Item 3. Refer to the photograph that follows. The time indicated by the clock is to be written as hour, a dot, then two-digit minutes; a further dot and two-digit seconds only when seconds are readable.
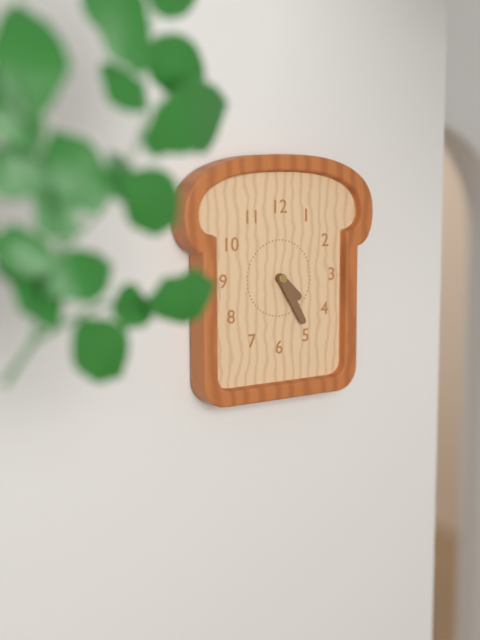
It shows 4.25
